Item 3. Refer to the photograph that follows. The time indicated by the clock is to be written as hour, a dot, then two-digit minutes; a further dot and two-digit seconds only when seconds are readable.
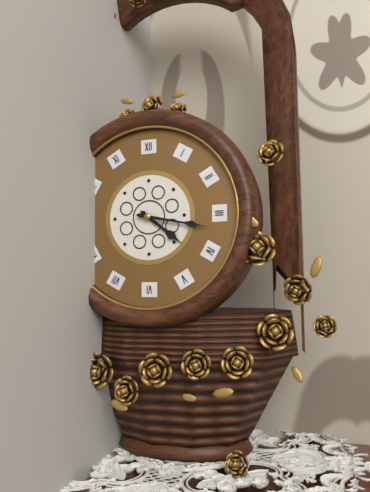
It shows 4.17
